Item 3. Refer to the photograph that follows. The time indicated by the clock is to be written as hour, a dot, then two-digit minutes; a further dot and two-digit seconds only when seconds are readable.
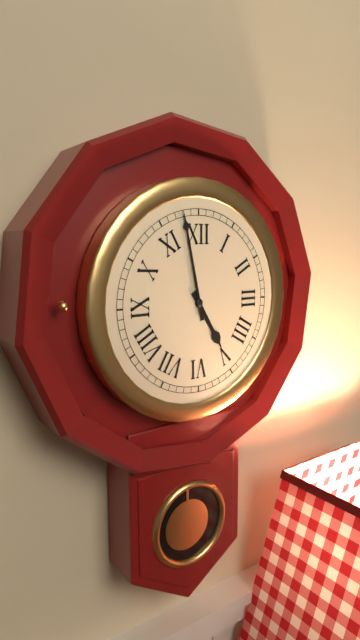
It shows 4.58
